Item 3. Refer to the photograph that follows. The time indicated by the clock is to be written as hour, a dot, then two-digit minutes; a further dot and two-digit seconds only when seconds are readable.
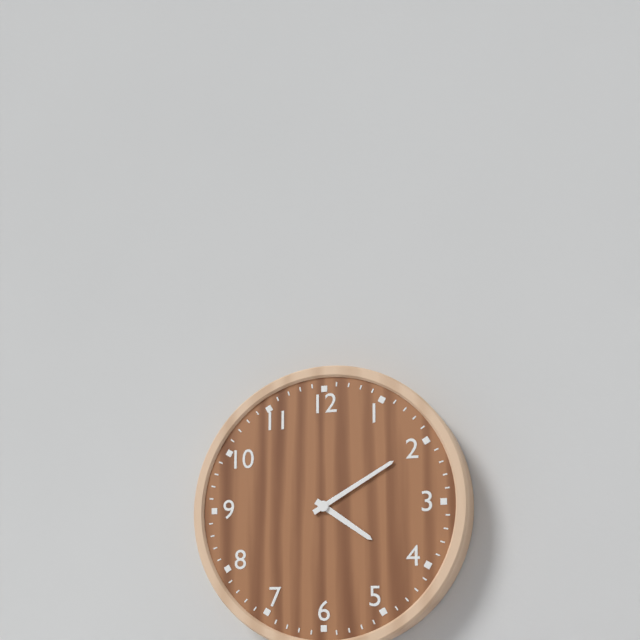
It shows 4.10
